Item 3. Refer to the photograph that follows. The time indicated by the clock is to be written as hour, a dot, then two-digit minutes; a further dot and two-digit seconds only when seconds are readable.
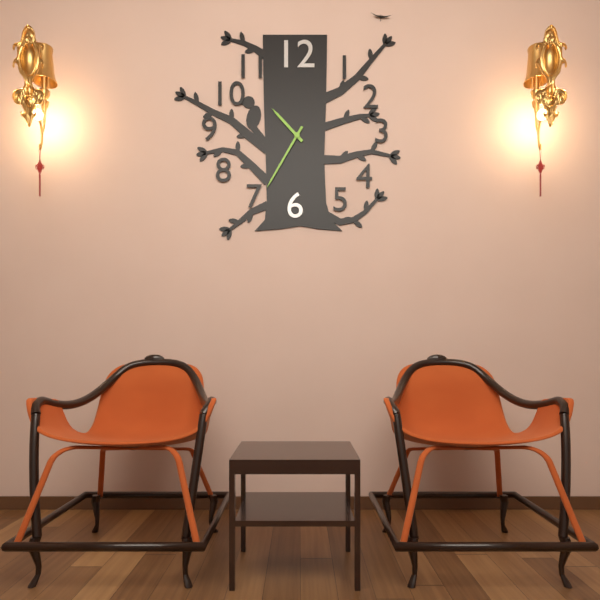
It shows 10.35
